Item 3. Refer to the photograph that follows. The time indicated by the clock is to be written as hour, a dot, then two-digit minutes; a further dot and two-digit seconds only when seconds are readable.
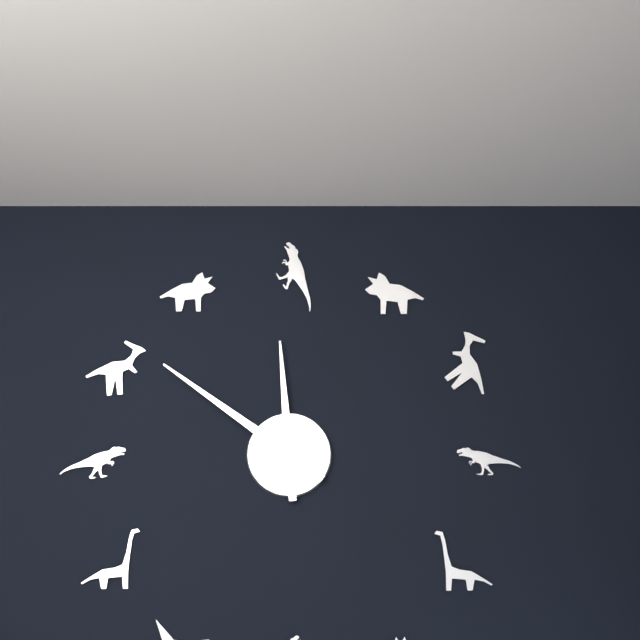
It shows 11.51
